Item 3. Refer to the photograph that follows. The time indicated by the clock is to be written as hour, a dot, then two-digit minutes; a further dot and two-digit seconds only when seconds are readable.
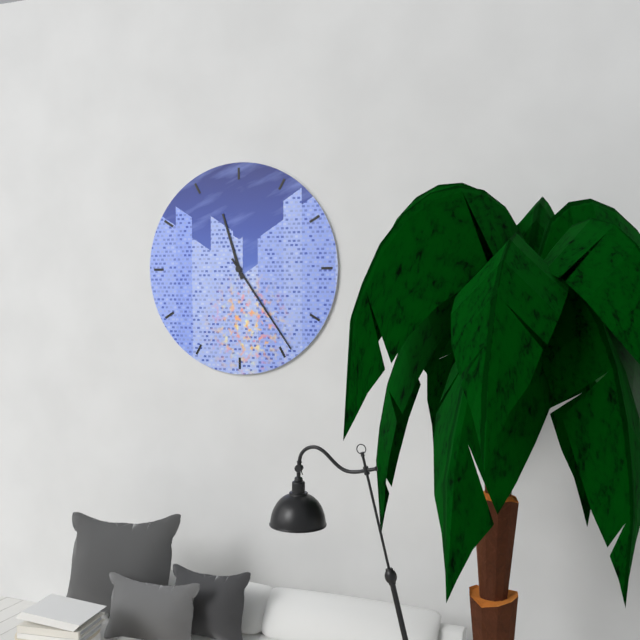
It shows 11.24
